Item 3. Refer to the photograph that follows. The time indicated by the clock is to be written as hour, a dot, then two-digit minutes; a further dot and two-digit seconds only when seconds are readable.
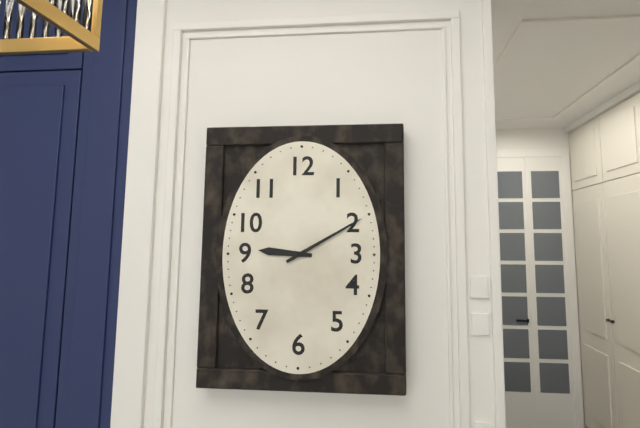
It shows 9.10
